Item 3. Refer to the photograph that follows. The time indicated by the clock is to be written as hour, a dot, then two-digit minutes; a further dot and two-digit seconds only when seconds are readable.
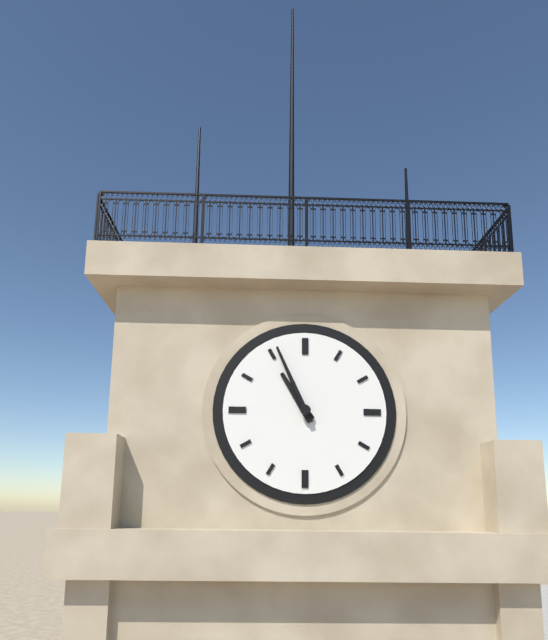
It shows 10.56
